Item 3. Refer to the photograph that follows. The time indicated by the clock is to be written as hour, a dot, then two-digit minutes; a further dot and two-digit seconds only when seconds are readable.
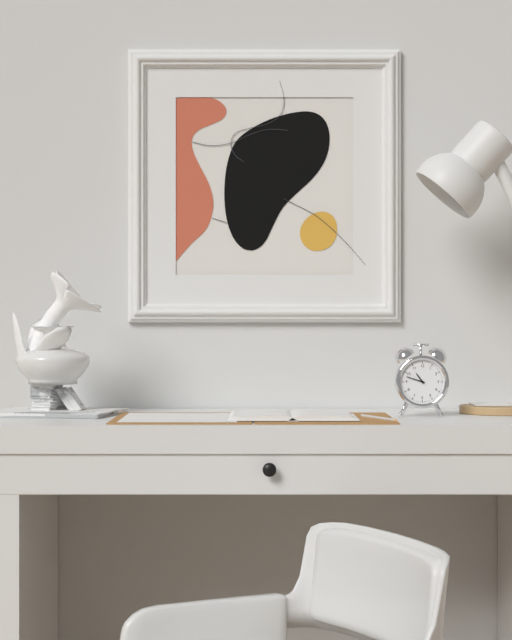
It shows 10.48
